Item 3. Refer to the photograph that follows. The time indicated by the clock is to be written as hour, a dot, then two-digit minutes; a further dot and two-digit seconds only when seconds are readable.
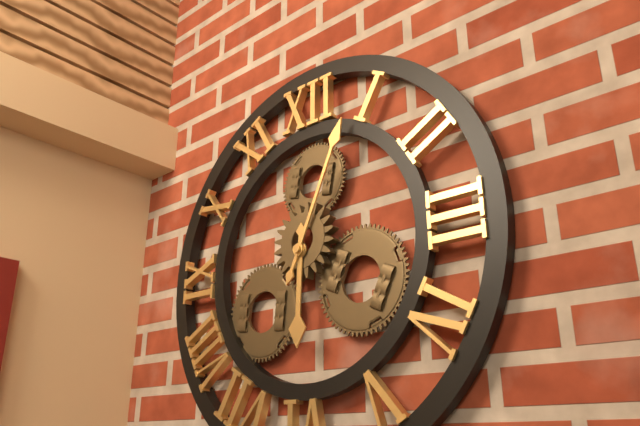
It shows 6.04
